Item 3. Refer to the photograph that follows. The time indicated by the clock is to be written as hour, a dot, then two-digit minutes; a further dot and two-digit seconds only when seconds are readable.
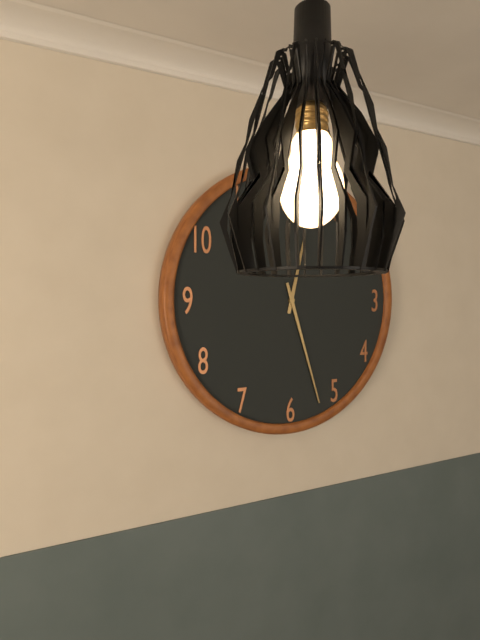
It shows 12.27
